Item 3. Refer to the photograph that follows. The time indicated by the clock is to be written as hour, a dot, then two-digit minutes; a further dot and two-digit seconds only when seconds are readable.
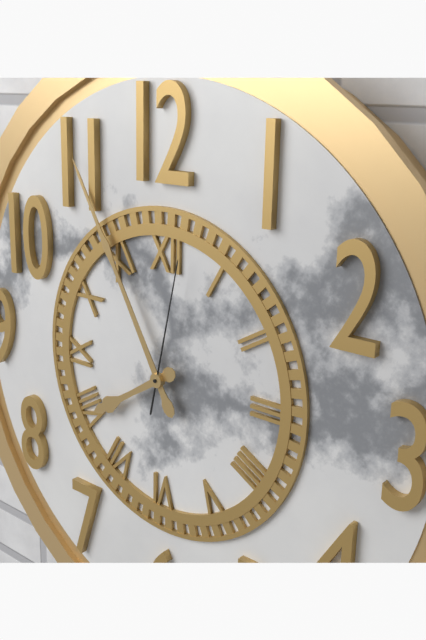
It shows 7.55.02
